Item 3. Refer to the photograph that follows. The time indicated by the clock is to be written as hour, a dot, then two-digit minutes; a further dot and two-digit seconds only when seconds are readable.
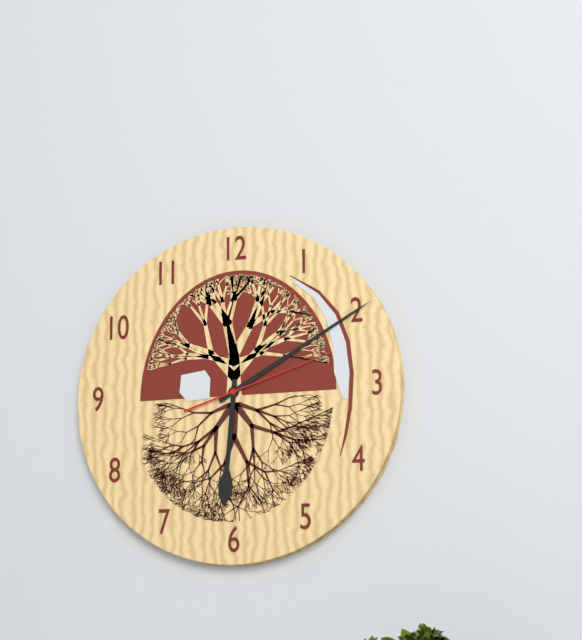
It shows 6.10.12
